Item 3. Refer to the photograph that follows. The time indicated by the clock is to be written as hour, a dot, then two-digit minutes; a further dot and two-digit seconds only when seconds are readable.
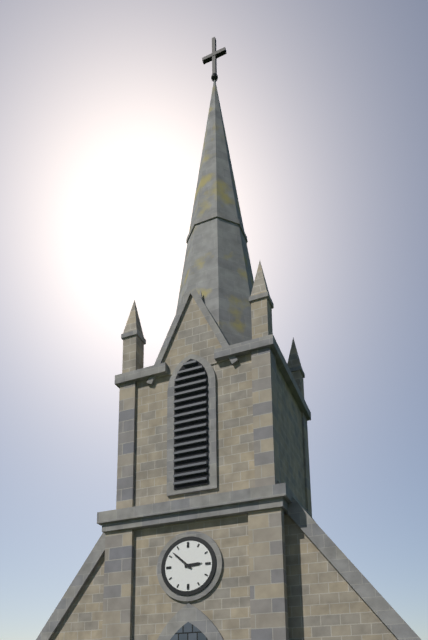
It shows 2.52
